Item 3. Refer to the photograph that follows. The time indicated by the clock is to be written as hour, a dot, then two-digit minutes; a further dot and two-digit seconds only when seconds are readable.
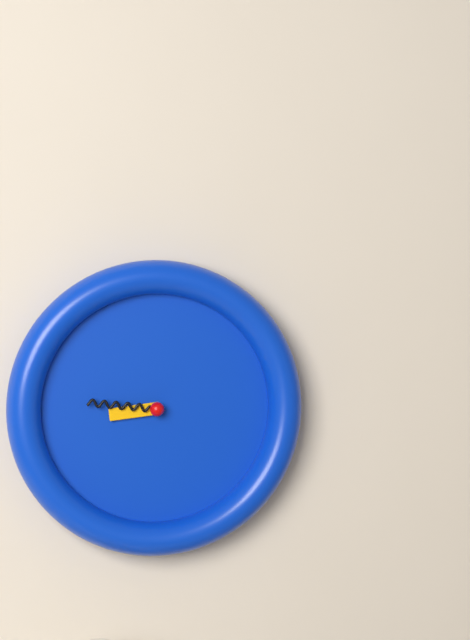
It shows 8.46
